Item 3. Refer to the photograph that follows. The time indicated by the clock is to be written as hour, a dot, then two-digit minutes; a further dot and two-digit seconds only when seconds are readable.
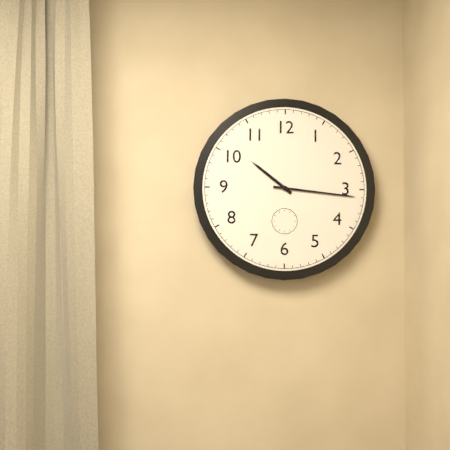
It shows 10.16
